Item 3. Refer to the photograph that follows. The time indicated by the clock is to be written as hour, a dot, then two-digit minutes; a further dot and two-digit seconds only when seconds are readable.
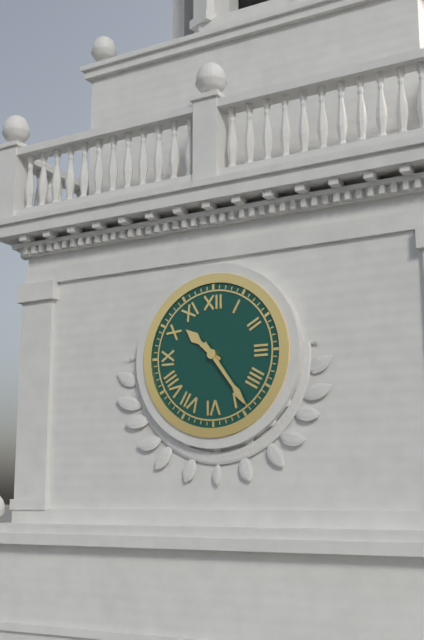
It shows 10.24
